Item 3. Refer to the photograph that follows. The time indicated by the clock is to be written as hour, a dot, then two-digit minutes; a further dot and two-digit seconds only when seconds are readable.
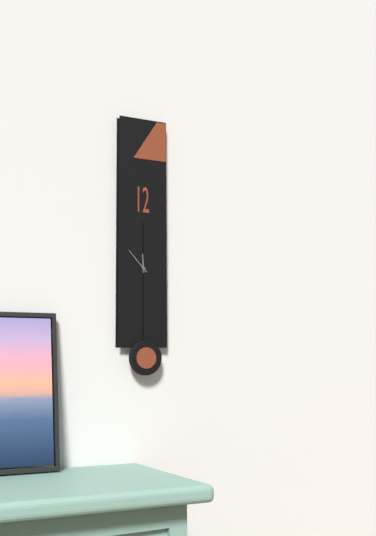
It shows 11.53
